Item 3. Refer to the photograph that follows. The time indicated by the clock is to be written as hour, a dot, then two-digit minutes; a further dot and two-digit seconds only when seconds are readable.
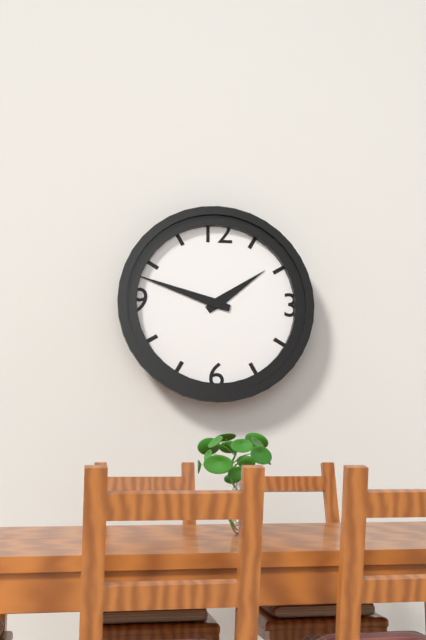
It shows 1.48
